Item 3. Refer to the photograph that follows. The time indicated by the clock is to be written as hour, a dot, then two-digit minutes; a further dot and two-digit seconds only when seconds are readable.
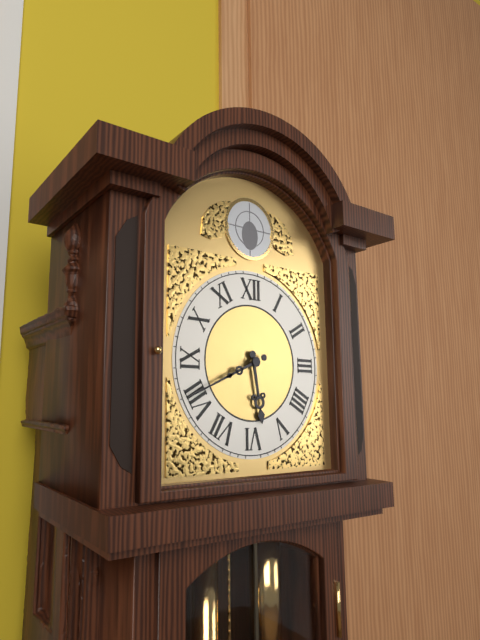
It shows 5.41
